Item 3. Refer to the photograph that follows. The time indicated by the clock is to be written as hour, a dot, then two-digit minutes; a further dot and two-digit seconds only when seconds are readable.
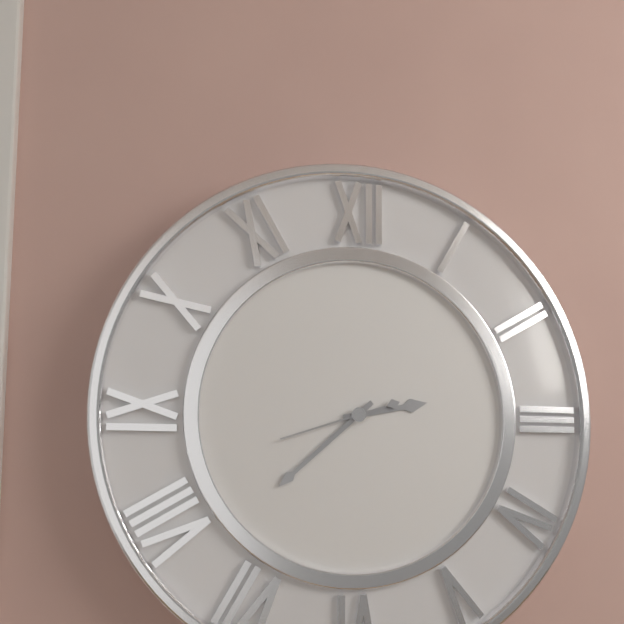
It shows 2.38.42
